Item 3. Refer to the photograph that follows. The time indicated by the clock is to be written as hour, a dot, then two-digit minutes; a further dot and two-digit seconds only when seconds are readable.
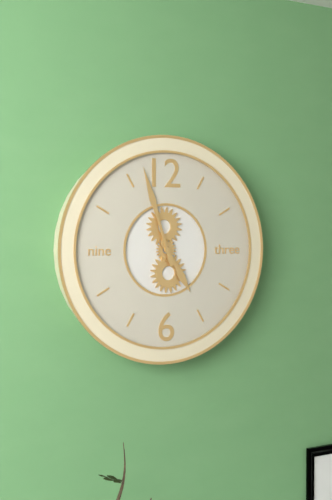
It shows 4.57
